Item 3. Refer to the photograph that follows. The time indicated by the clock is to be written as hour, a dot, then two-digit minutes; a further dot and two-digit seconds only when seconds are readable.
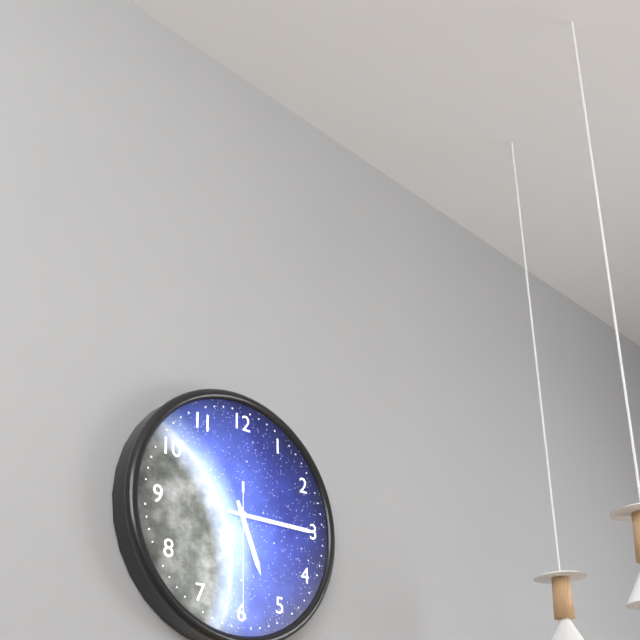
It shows 5.15.30
